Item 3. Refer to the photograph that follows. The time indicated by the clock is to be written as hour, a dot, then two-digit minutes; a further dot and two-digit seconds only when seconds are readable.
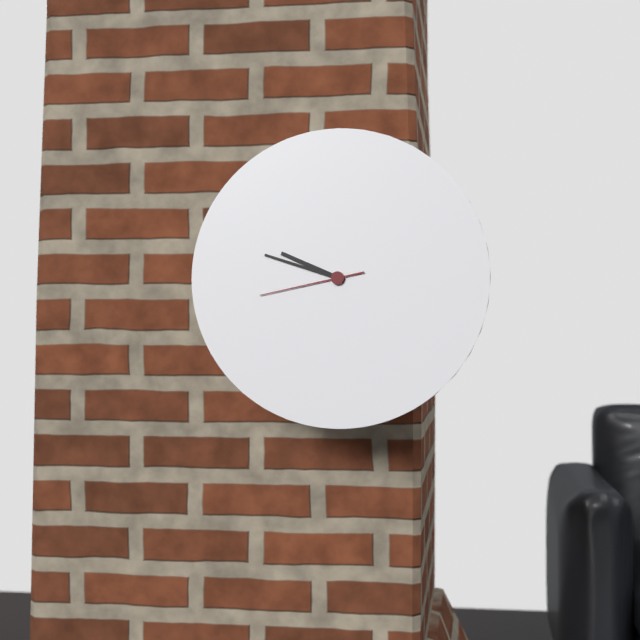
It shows 9.48.43
